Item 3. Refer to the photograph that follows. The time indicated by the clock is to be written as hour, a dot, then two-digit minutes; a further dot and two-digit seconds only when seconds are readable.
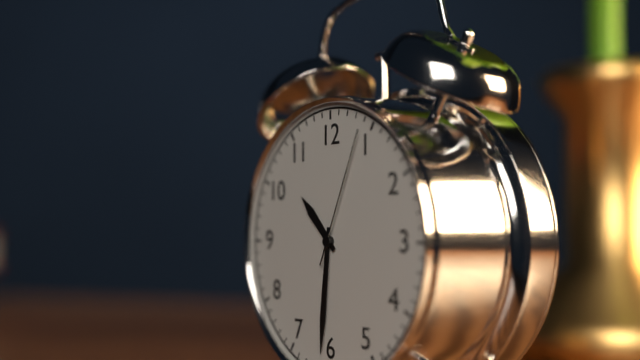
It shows 10.31.04
